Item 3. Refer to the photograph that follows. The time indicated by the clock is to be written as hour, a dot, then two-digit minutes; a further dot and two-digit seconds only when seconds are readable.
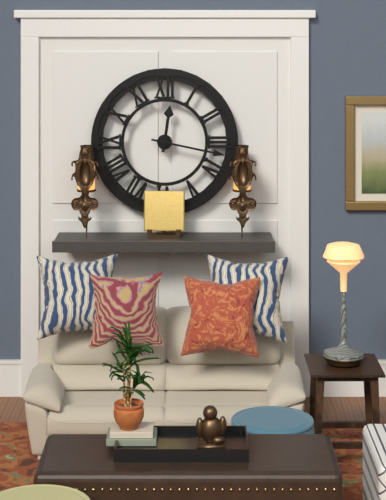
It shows 12.17
